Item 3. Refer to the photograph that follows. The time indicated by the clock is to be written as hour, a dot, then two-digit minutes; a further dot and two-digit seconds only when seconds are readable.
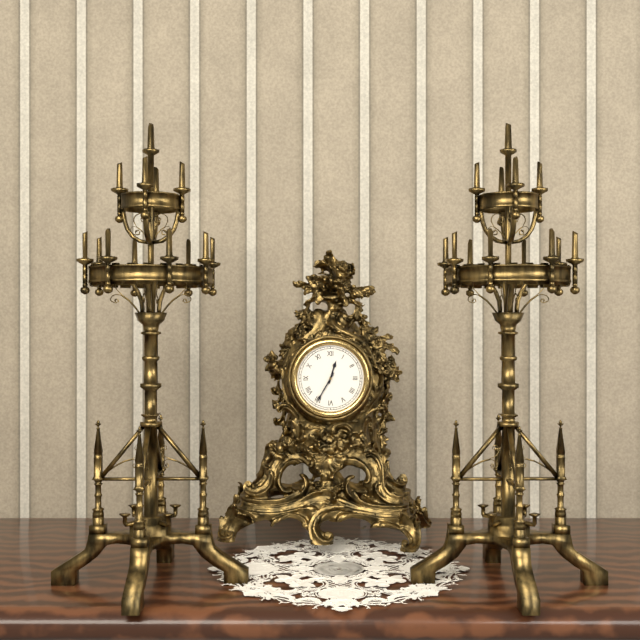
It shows 12.35
